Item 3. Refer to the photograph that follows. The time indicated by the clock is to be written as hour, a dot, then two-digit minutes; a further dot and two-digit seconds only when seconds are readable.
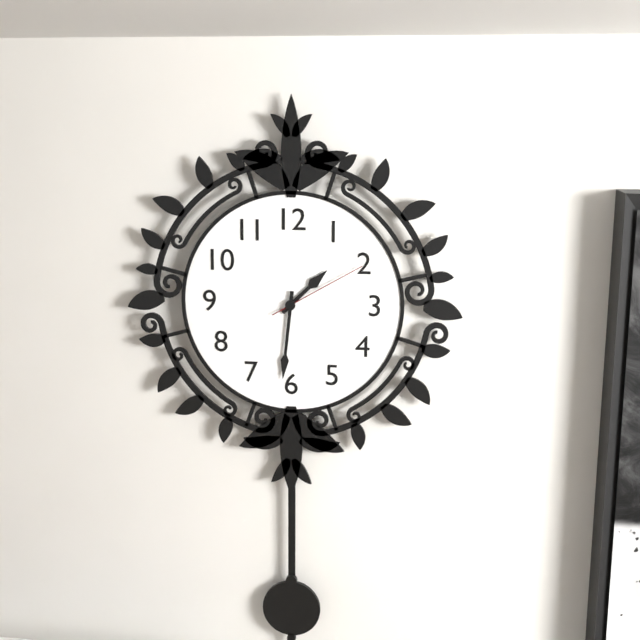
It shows 1.31.10
